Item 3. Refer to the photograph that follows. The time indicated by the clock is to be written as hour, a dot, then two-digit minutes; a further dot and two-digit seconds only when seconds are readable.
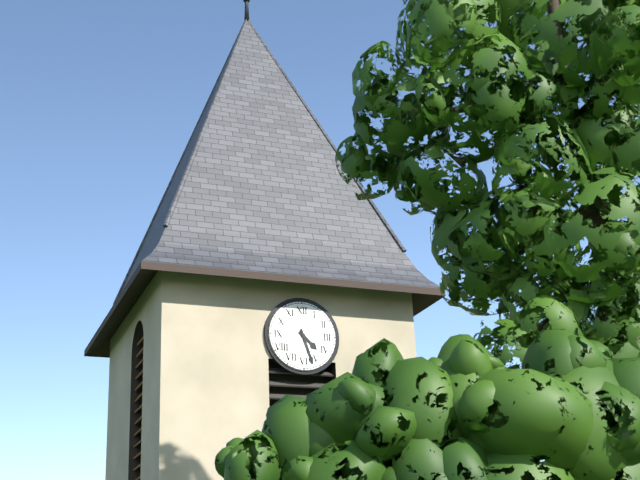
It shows 4.27
